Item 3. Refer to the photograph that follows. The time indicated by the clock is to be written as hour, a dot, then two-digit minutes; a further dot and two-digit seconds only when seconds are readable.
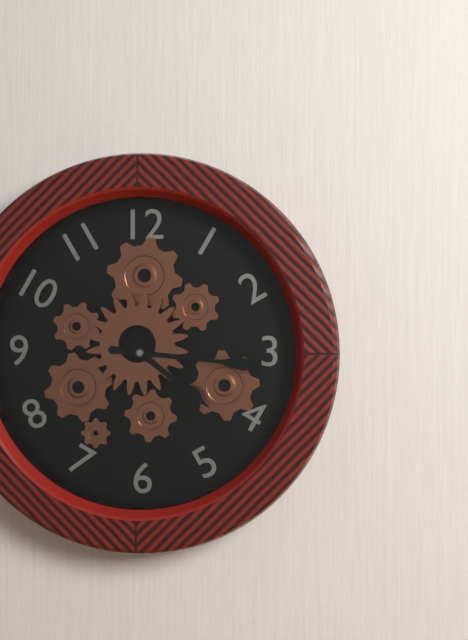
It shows 4.16
